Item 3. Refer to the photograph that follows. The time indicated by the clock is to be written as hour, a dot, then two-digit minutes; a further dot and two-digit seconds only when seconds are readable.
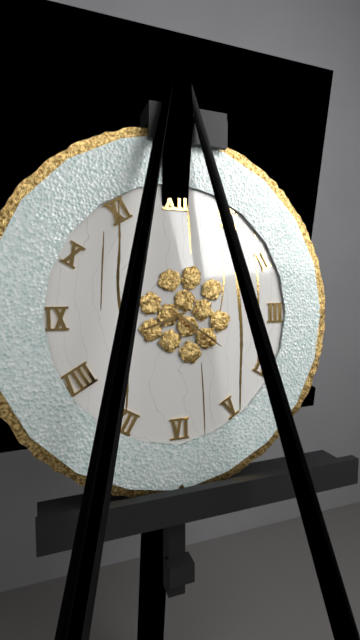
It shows 8.21.22
